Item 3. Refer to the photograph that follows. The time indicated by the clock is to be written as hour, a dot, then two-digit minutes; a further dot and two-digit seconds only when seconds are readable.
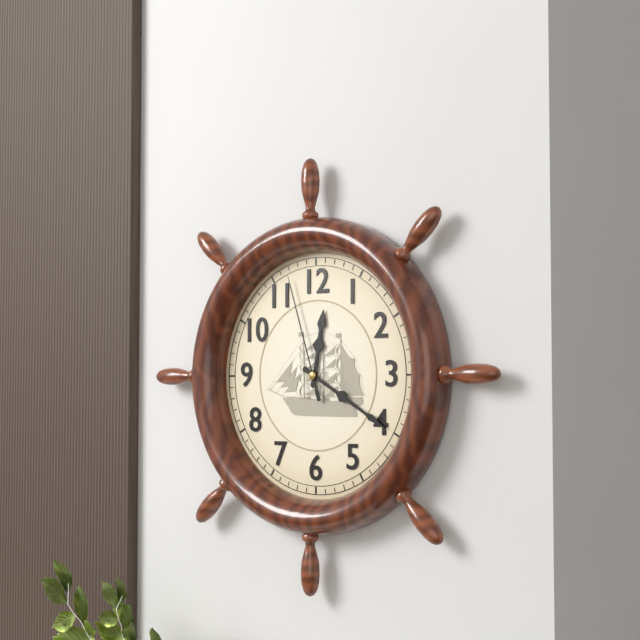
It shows 12.20.57
